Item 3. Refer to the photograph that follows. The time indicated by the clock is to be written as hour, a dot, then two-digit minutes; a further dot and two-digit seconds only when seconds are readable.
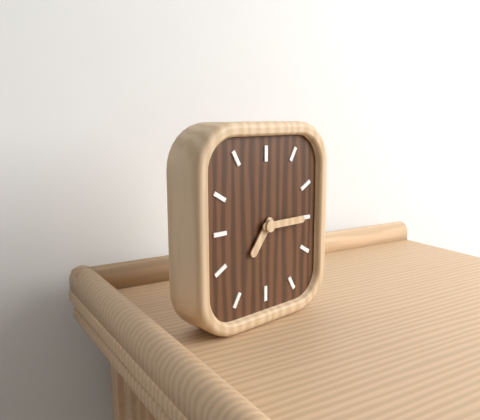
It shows 7.15
